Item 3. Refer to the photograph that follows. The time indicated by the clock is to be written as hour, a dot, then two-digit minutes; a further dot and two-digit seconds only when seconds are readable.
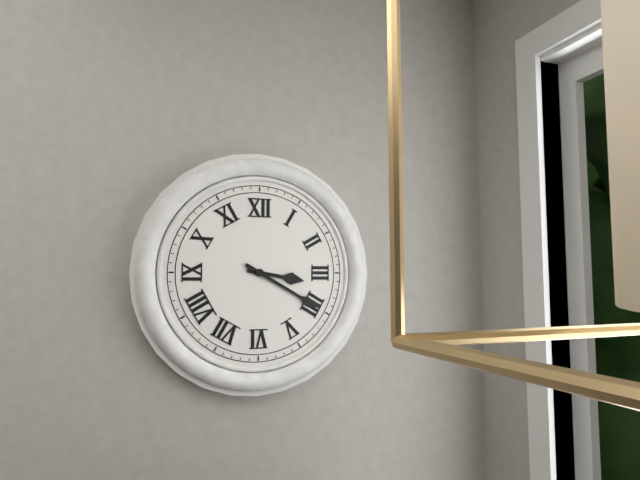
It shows 3.20
